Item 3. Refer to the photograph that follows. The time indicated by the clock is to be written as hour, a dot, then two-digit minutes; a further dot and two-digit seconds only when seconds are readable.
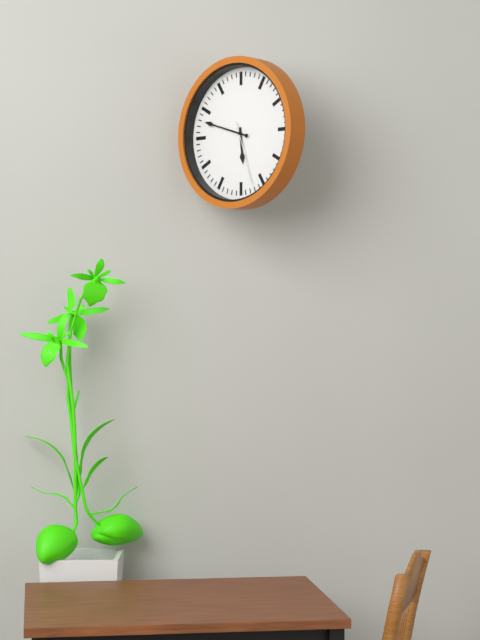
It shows 5.48.27
